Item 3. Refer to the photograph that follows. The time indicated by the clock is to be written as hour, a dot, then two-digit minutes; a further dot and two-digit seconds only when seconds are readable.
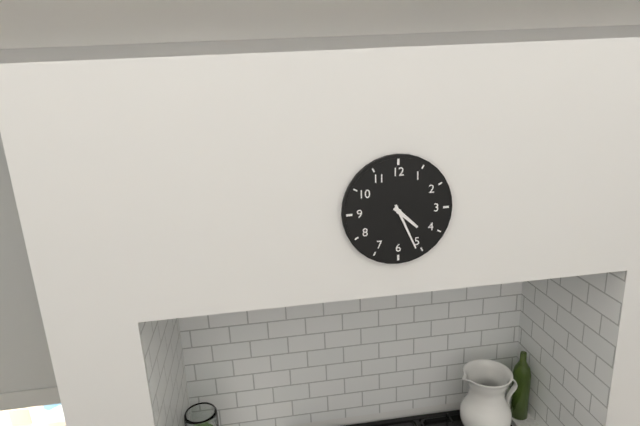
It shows 4.26
